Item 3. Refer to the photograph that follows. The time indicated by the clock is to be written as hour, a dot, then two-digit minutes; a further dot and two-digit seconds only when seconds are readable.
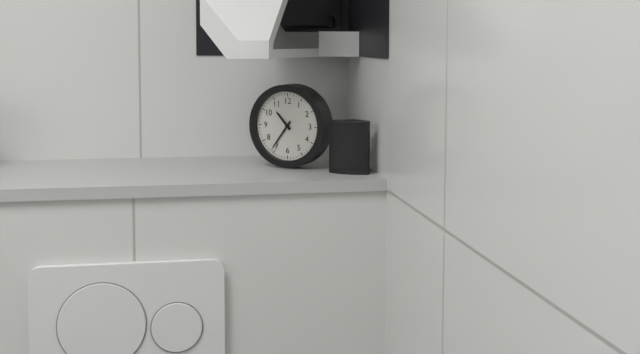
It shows 10.36
